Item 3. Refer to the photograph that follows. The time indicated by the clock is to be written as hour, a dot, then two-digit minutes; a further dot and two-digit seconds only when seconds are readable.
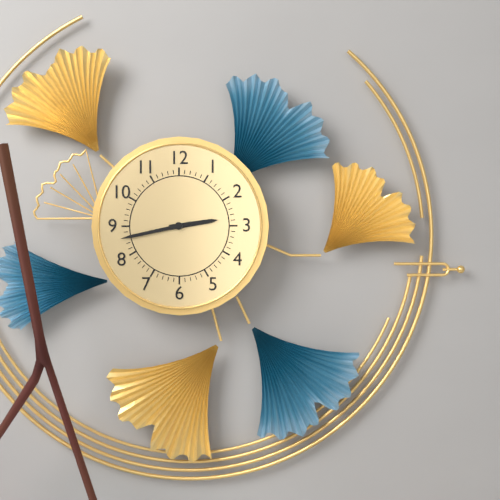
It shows 2.43
